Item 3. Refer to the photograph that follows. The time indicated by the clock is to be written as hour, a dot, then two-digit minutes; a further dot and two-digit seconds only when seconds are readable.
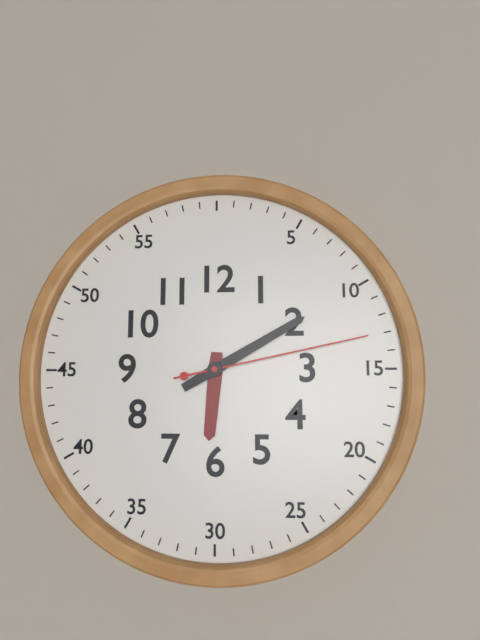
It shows 6.10.13
